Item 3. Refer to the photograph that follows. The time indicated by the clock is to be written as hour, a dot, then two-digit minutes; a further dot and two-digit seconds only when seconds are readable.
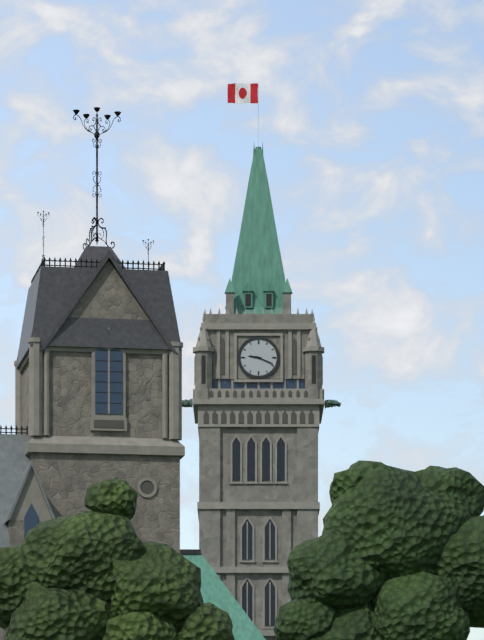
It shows 9.19
